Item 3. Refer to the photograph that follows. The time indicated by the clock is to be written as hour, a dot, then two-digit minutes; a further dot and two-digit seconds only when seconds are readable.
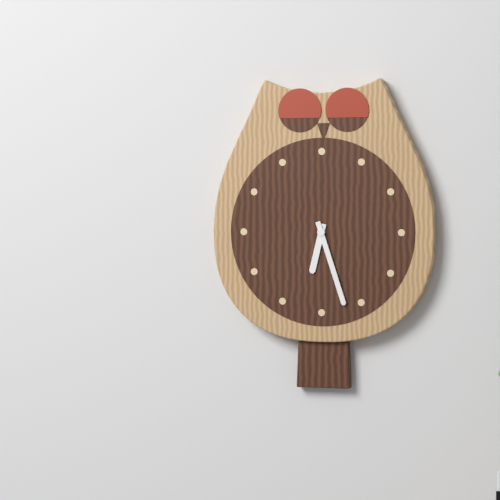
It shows 6.27
